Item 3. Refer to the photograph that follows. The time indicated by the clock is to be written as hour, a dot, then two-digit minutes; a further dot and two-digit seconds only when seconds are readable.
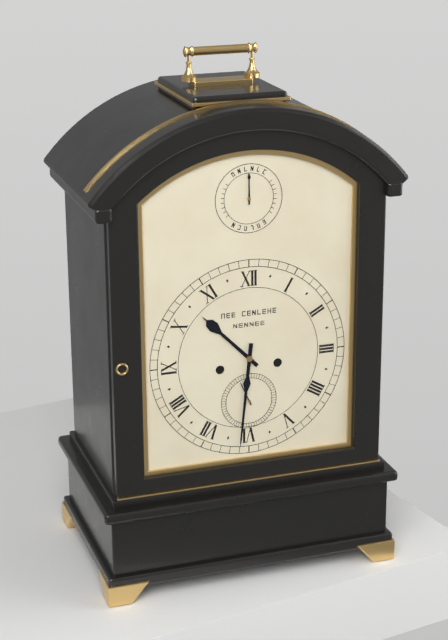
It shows 10.31
